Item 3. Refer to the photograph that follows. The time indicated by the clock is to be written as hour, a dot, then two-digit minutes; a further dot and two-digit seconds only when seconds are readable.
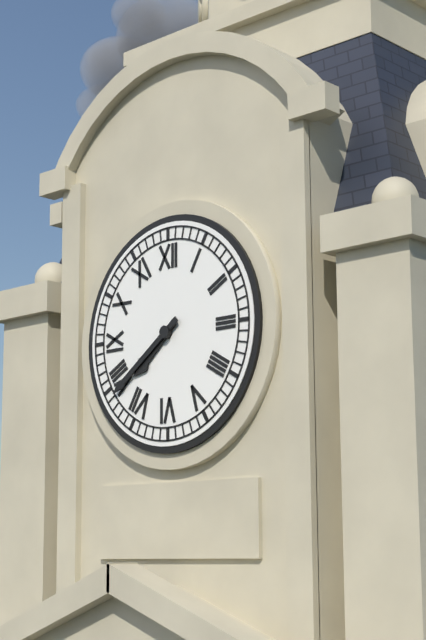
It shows 7.39
